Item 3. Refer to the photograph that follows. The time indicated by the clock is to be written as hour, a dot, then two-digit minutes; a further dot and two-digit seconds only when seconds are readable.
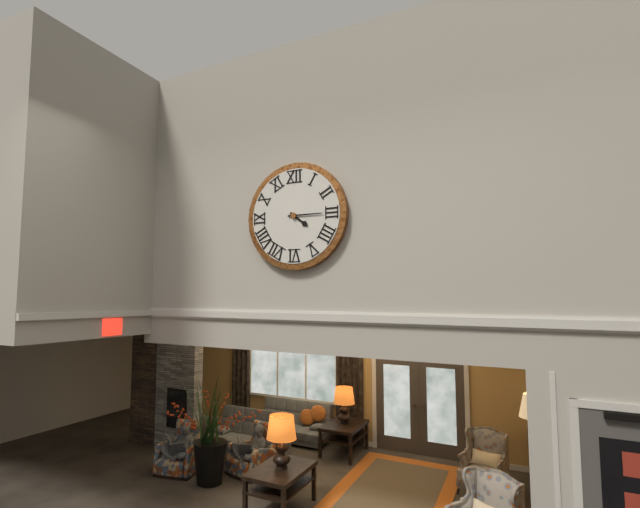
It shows 4.15
